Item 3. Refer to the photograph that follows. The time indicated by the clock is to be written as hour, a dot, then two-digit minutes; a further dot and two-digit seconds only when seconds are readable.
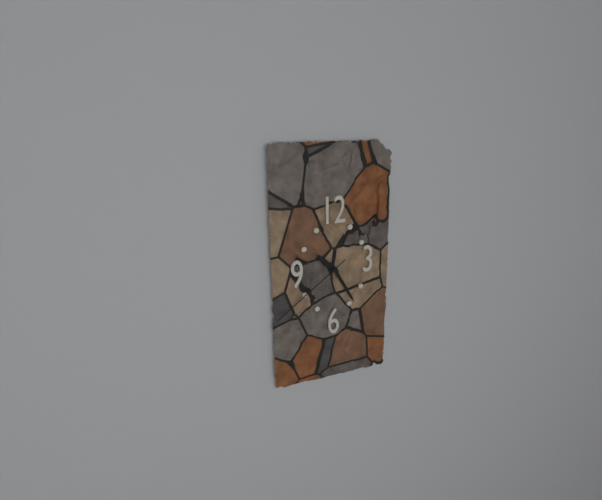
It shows 10.25.39
